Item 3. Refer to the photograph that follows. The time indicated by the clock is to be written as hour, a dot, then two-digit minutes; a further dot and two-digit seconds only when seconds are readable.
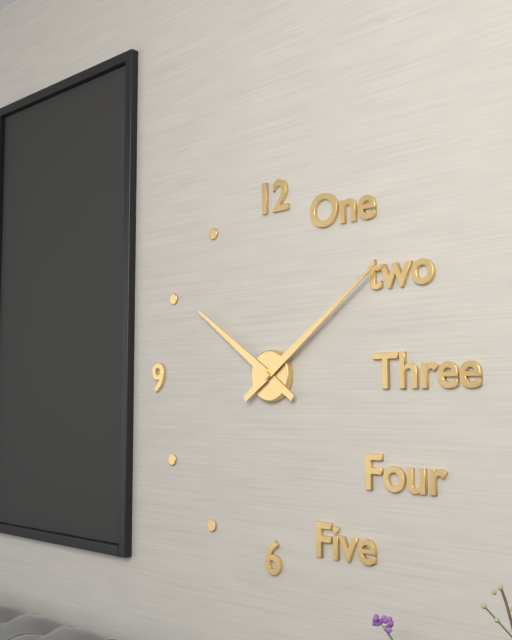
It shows 10.09
